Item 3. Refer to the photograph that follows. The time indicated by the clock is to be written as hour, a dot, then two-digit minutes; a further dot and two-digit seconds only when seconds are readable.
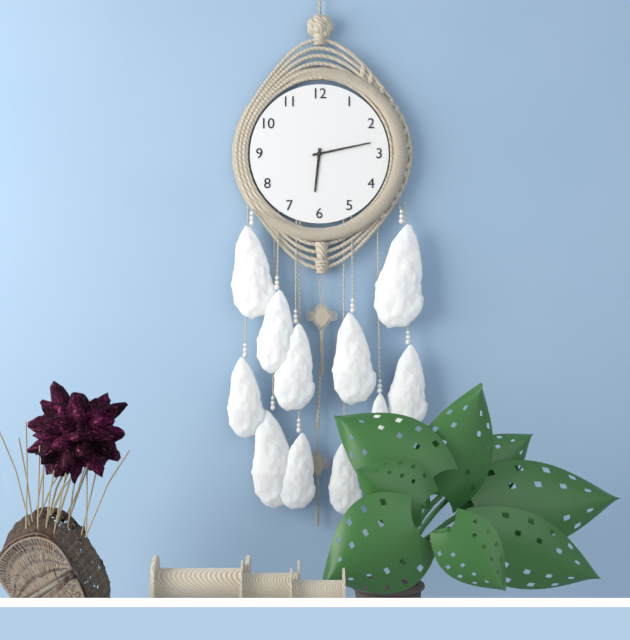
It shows 6.13
